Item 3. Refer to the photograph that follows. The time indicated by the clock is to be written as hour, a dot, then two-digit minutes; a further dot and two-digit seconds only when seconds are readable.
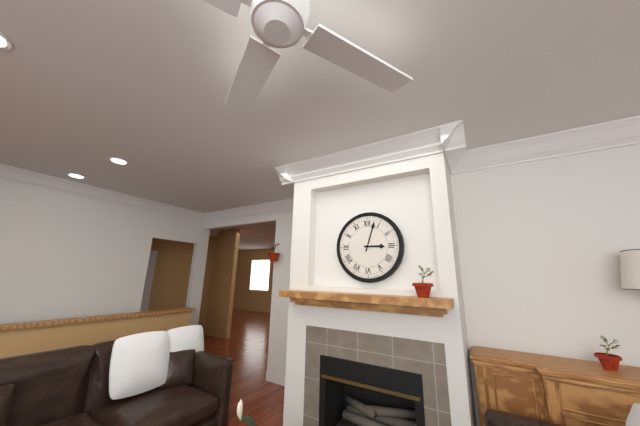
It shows 3.03
